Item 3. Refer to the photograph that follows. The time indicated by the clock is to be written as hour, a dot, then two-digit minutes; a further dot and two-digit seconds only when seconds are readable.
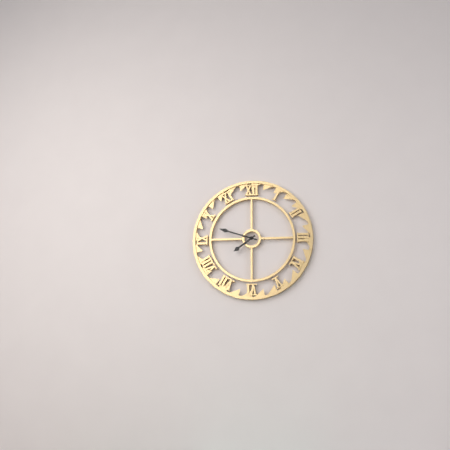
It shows 7.48
